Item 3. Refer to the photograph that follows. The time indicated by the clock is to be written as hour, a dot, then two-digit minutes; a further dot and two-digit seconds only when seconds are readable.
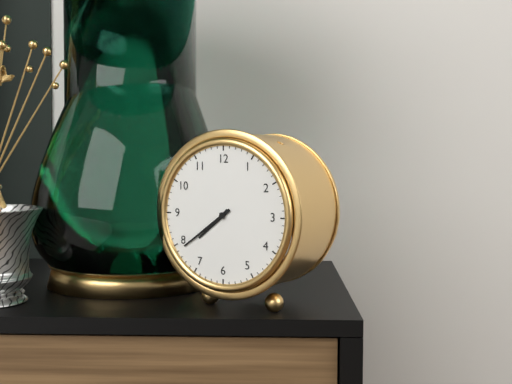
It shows 7.39
